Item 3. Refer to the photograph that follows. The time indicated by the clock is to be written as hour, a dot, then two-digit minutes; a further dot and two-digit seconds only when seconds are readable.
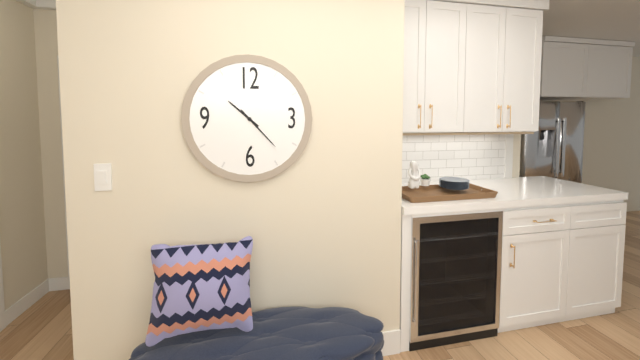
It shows 10.23
